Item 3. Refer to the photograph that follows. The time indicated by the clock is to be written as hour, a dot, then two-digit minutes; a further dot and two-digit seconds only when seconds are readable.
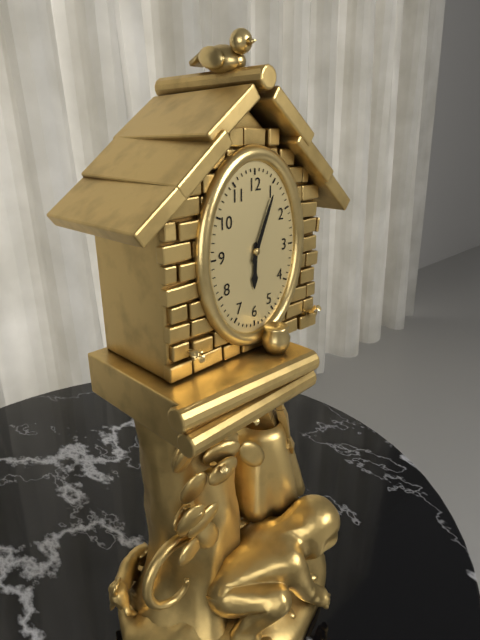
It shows 6.04
